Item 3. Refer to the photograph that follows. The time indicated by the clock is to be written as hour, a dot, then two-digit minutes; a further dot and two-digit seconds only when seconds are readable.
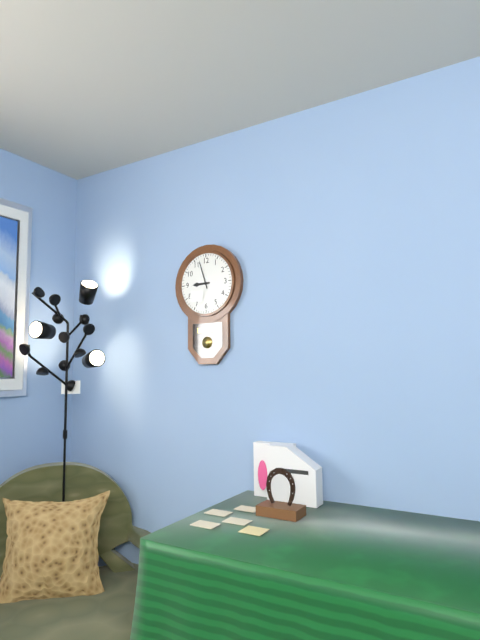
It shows 8.57
